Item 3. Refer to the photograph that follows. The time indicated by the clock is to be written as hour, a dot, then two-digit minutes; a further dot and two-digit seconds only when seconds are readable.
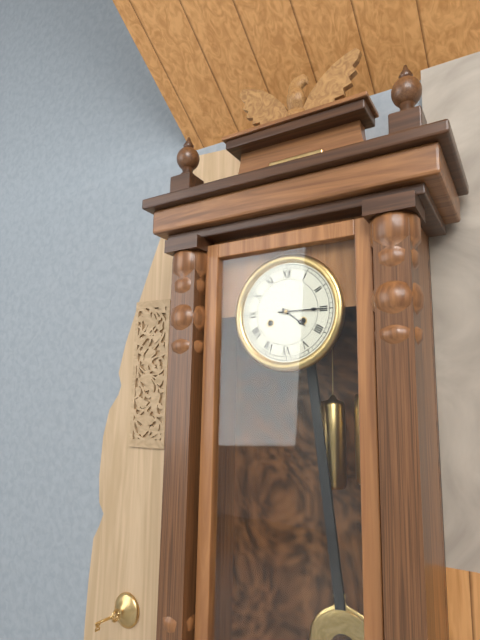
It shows 4.15
